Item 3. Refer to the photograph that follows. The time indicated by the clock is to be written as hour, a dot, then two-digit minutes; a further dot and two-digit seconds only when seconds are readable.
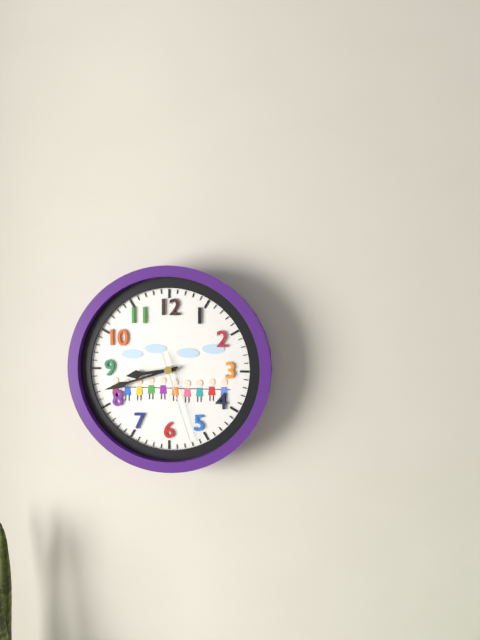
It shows 8.42.27
